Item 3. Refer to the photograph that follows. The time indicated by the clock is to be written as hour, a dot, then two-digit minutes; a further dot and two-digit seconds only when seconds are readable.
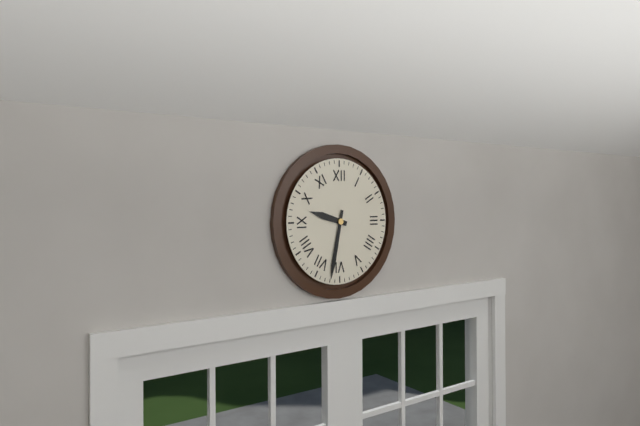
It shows 9.32
